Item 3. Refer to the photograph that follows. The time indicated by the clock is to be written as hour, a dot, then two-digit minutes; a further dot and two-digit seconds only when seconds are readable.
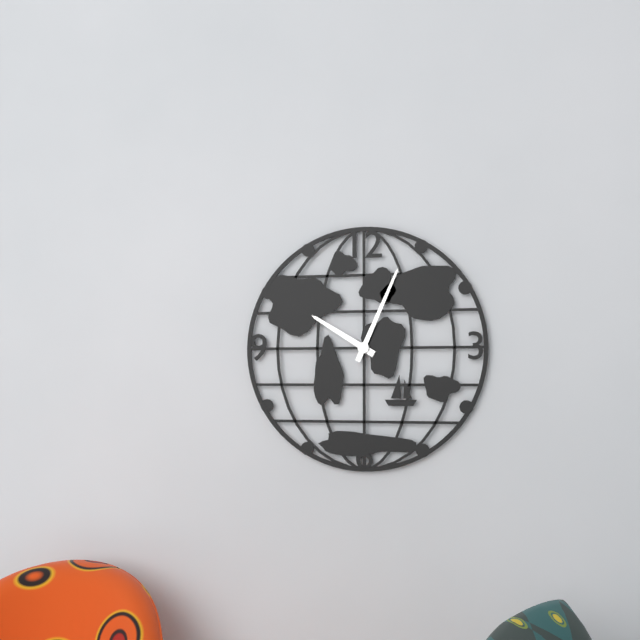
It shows 10.04
